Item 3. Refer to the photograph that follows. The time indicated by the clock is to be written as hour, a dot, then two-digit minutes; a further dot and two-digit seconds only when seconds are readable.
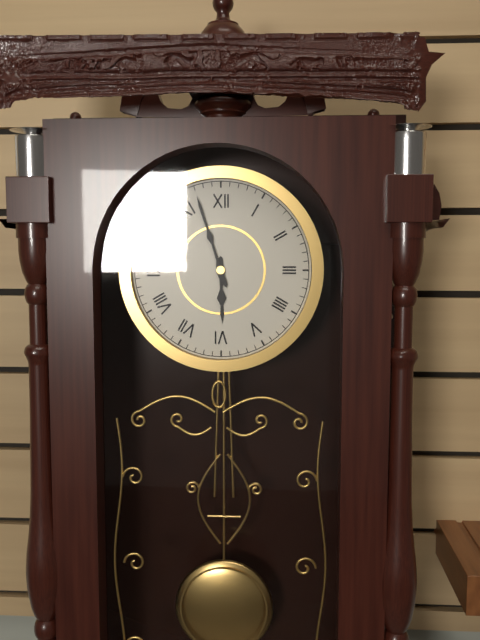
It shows 5.57
